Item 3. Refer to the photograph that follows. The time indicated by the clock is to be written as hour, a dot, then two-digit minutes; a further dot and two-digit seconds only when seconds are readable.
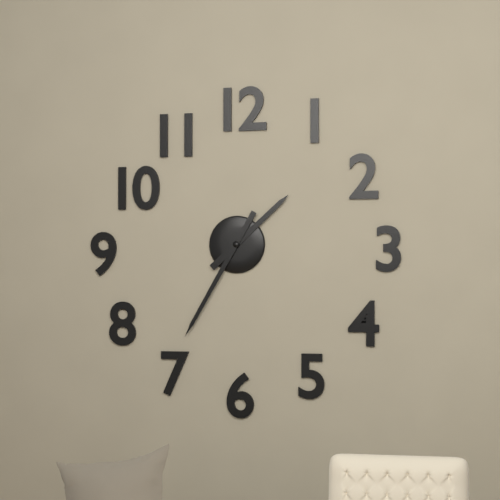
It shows 1.35
